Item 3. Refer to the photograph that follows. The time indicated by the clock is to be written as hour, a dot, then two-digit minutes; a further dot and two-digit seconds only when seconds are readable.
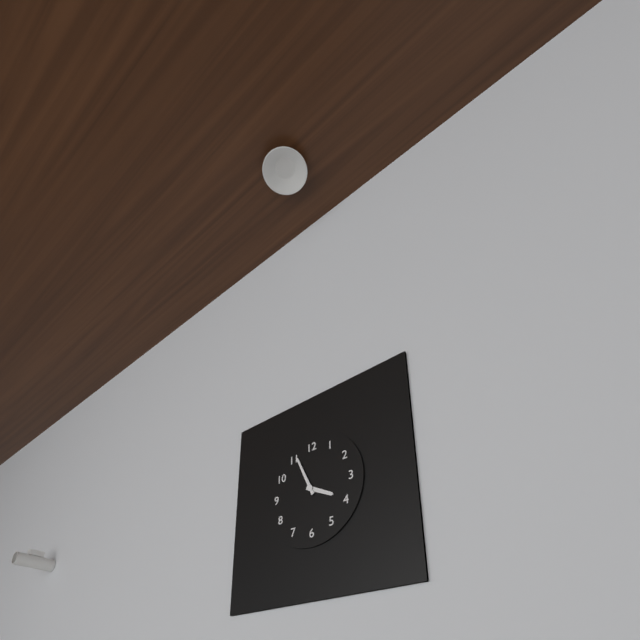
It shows 3.56
